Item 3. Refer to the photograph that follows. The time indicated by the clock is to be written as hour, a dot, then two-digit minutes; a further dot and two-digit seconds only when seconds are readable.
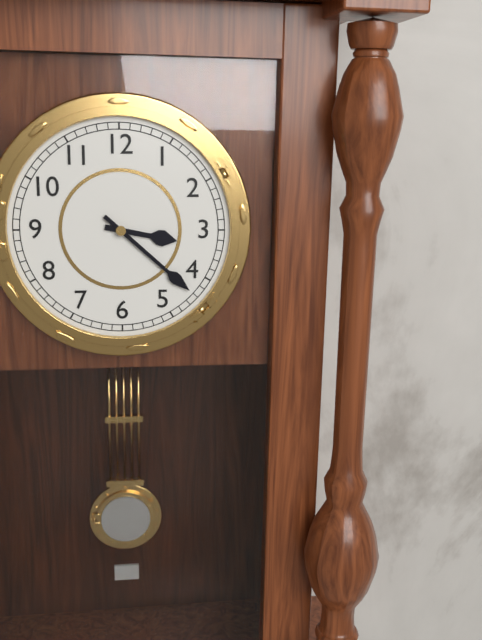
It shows 3.22
